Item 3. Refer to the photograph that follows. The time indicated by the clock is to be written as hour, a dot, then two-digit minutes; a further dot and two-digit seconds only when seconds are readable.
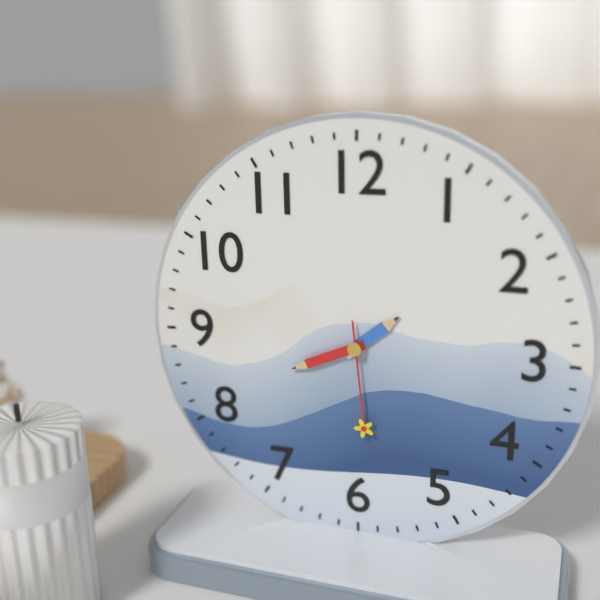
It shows 1.41.29
